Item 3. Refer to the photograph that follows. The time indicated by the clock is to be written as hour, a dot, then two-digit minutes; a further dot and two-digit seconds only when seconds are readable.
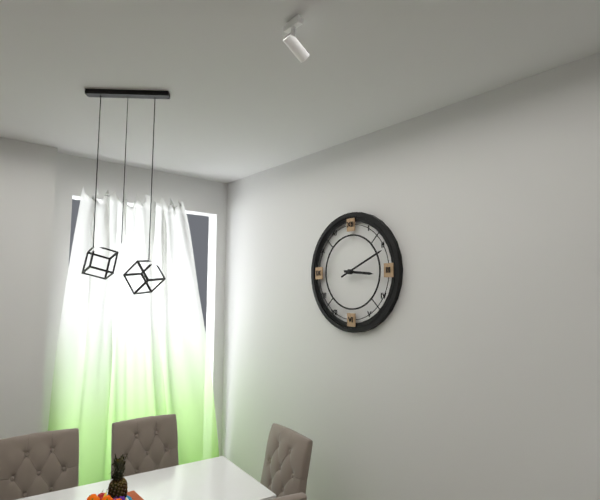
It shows 3.11
